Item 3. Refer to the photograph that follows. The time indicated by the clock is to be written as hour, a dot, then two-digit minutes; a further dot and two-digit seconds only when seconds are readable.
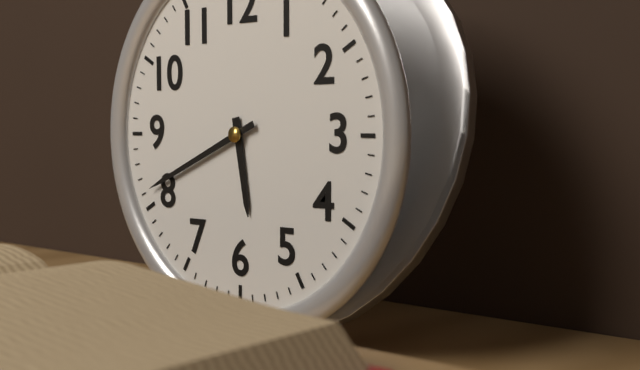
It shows 5.41
